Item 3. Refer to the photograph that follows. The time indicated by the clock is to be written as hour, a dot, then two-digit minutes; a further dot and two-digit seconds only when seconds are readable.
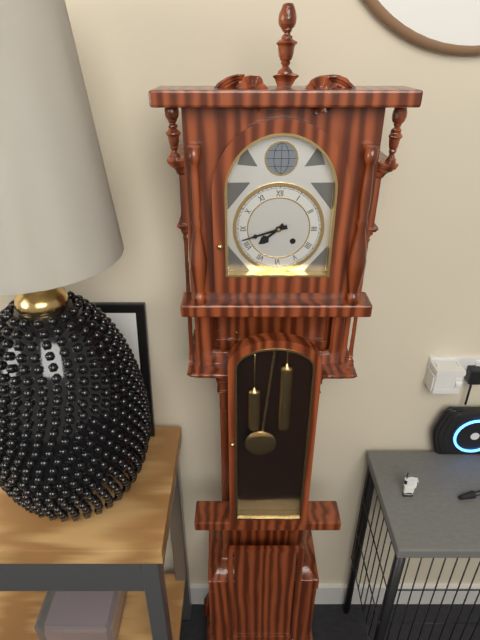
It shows 7.42
